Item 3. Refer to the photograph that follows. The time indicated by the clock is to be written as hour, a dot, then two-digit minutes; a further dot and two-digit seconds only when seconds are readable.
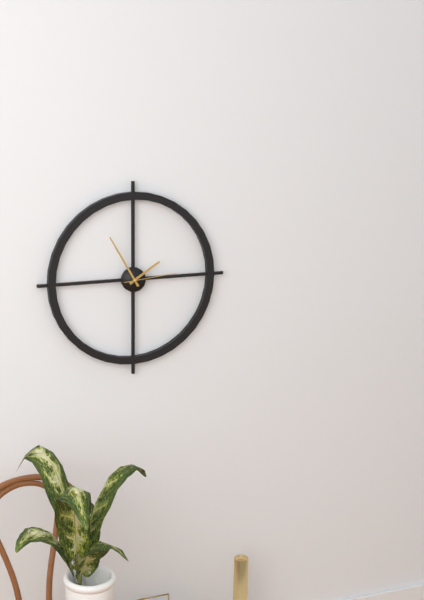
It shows 1.55.14
